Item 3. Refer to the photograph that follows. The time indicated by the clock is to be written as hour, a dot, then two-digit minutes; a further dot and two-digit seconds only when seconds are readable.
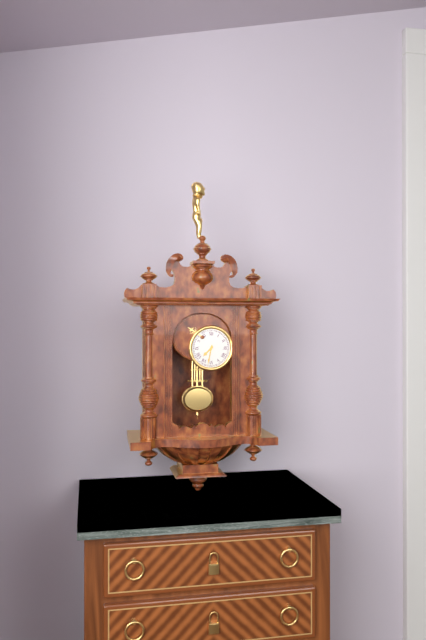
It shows 7.32
